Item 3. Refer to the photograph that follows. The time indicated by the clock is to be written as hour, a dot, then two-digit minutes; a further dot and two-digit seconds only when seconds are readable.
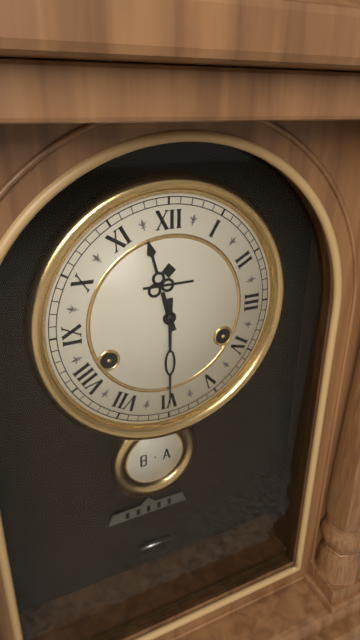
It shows 11.30
